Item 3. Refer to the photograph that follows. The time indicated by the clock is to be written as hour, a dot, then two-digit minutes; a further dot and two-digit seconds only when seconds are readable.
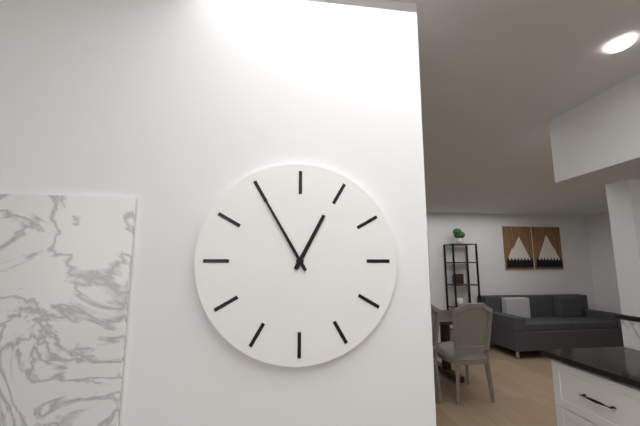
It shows 12.55
